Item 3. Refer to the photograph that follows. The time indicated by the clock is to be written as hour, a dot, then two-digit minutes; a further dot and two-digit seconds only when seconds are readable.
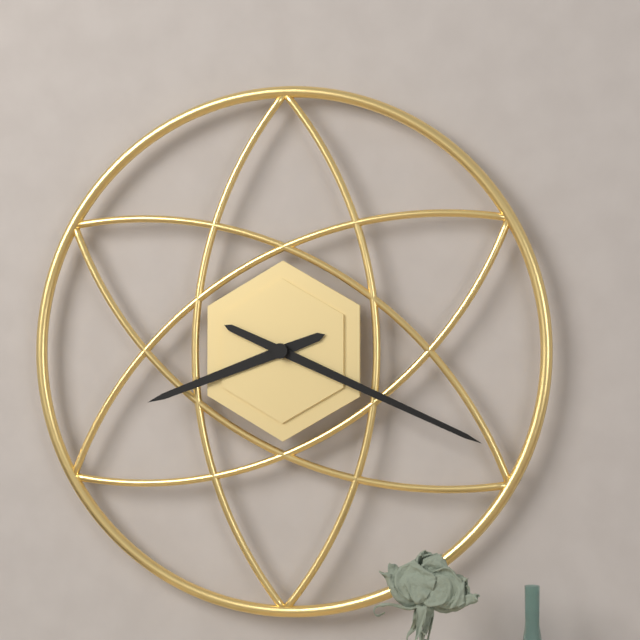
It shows 8.19
